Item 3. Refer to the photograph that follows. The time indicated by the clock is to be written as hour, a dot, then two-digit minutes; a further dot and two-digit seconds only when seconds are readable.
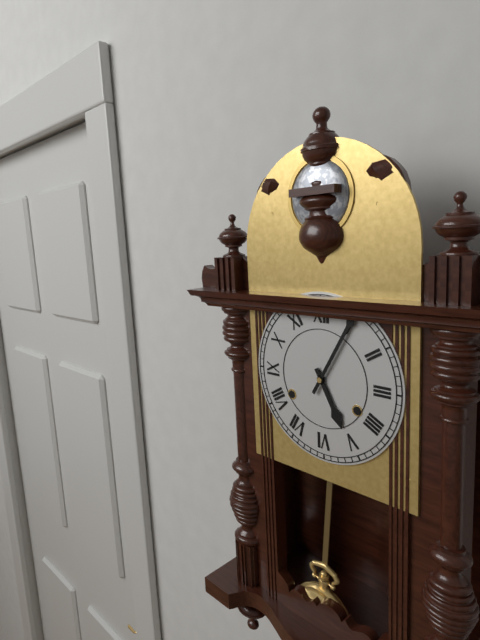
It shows 5.05
